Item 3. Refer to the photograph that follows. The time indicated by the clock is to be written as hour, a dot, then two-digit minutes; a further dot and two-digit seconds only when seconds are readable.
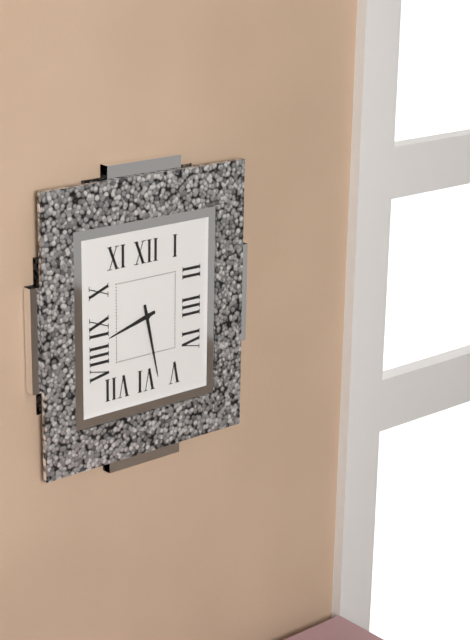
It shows 8.28
